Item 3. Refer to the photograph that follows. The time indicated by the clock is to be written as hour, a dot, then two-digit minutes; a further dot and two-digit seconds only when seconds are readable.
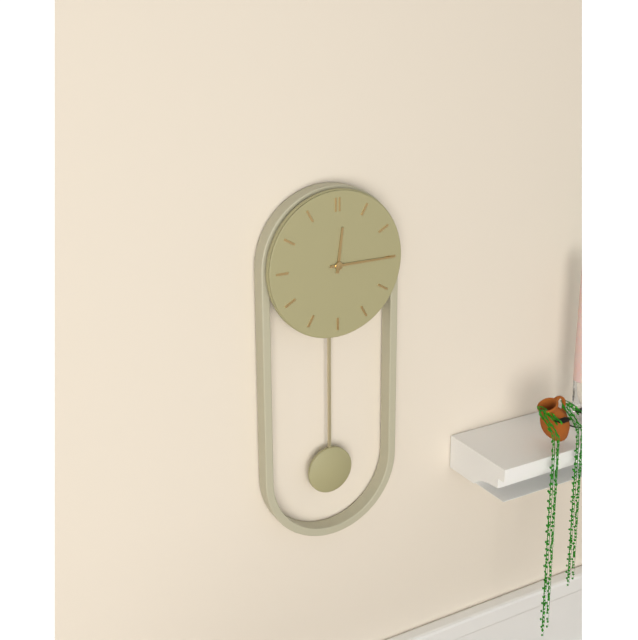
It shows 12.15
